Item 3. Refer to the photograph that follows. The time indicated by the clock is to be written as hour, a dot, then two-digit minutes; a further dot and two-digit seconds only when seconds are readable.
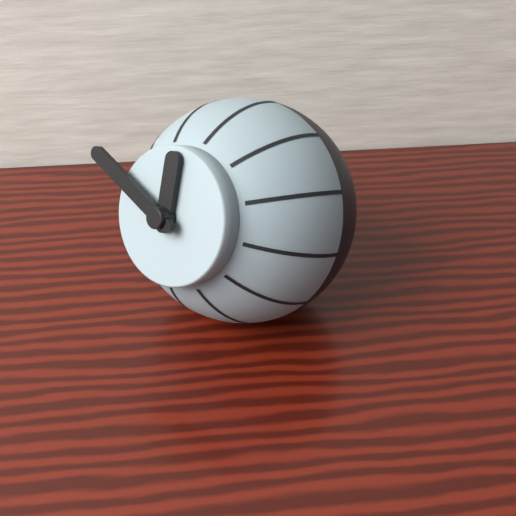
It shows 11.48
